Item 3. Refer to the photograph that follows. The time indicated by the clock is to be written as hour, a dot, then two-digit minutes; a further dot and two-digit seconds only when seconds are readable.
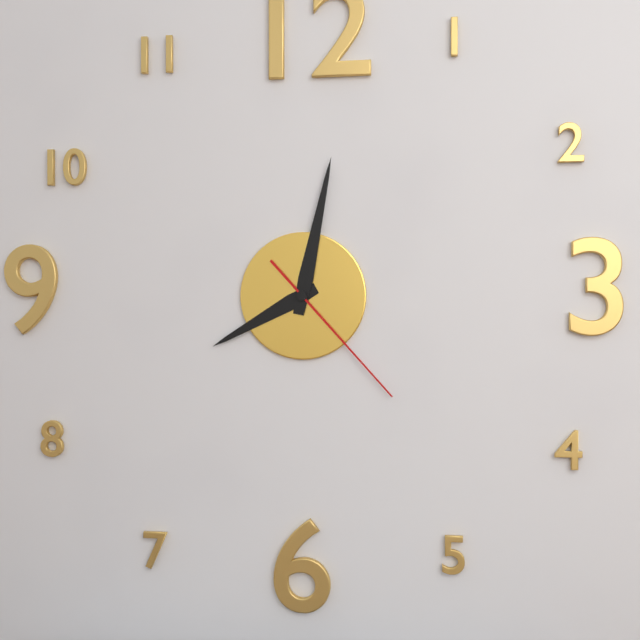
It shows 8.02.23
